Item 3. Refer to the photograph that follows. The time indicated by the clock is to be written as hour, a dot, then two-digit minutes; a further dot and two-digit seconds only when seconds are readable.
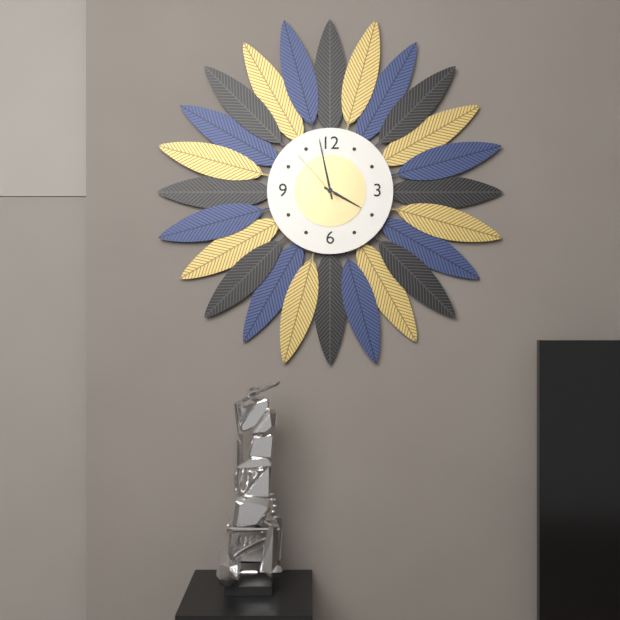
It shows 3.58.53
